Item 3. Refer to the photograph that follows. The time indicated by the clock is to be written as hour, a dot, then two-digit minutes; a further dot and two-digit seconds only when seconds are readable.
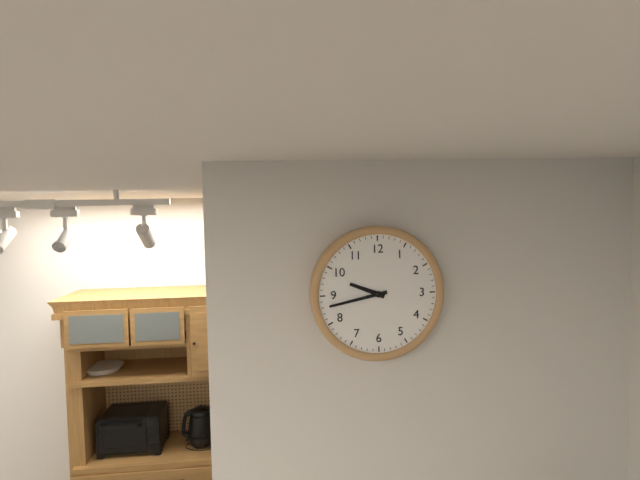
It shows 9.43
